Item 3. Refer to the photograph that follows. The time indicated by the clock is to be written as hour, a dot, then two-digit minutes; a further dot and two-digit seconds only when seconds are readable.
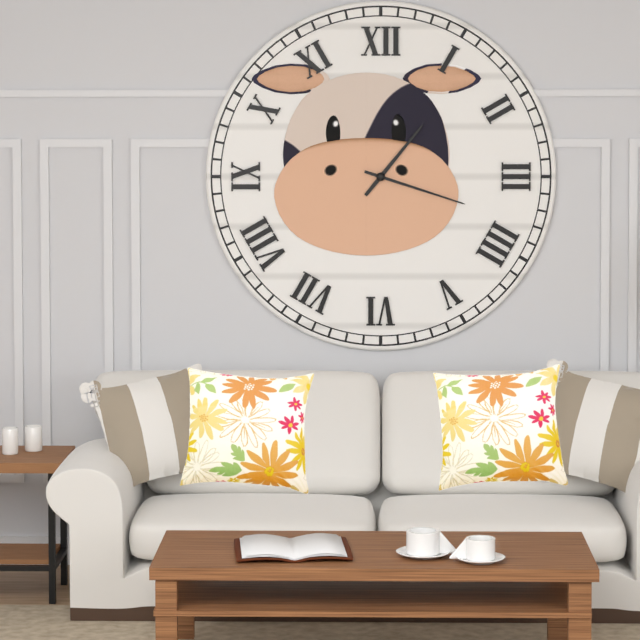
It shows 1.18
